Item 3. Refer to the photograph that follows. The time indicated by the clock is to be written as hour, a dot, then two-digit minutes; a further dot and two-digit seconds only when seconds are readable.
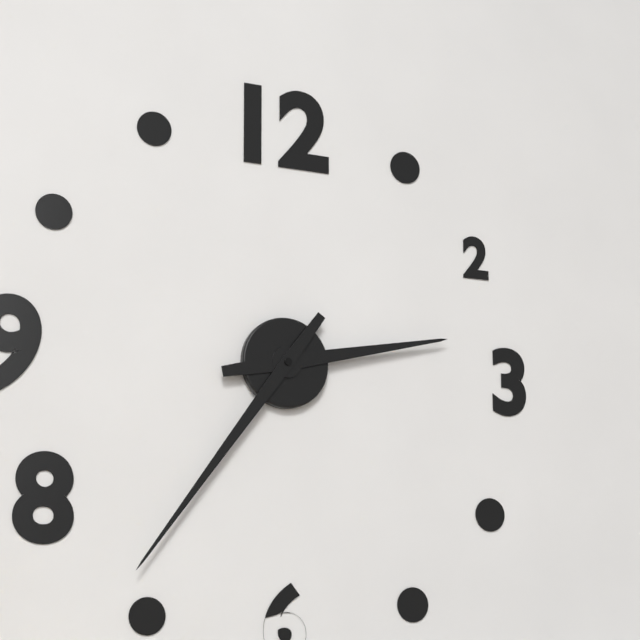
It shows 2.36
